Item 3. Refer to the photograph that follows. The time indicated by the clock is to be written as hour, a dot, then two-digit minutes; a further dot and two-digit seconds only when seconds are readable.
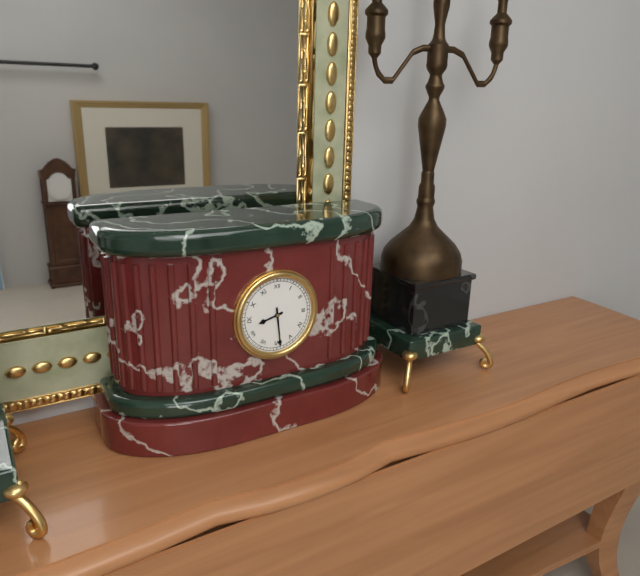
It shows 8.29
